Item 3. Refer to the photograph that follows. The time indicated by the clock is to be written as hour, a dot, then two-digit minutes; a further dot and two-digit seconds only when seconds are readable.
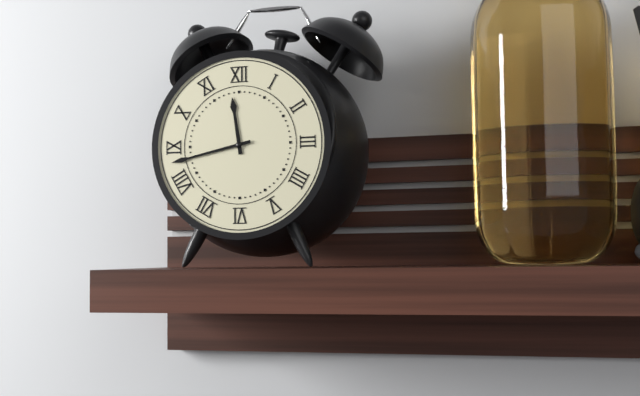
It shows 11.43
